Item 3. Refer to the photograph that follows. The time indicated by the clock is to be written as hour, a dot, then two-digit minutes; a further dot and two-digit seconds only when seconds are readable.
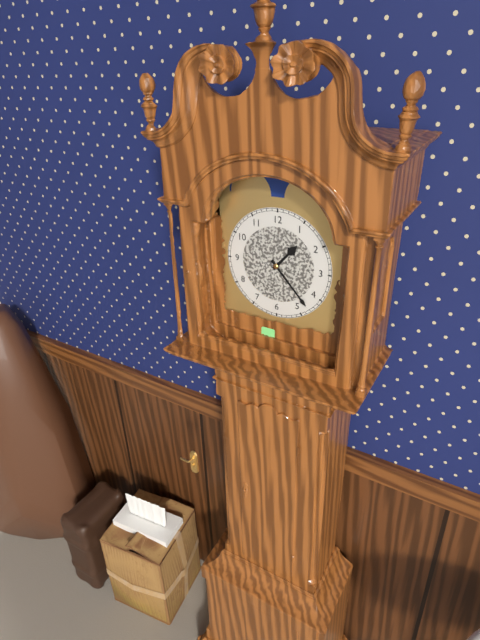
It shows 1.23
